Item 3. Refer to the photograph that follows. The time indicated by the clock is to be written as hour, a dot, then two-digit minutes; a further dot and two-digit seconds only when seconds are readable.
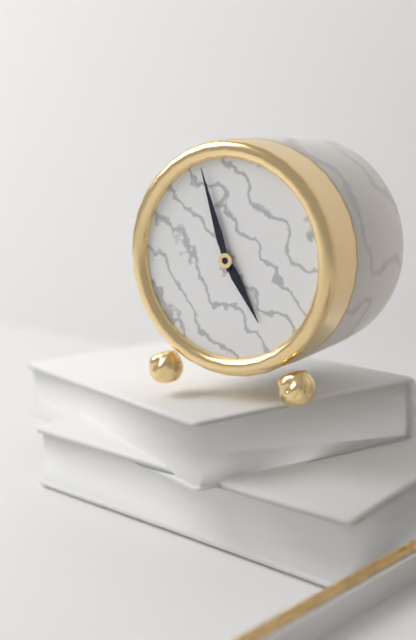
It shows 4.57
